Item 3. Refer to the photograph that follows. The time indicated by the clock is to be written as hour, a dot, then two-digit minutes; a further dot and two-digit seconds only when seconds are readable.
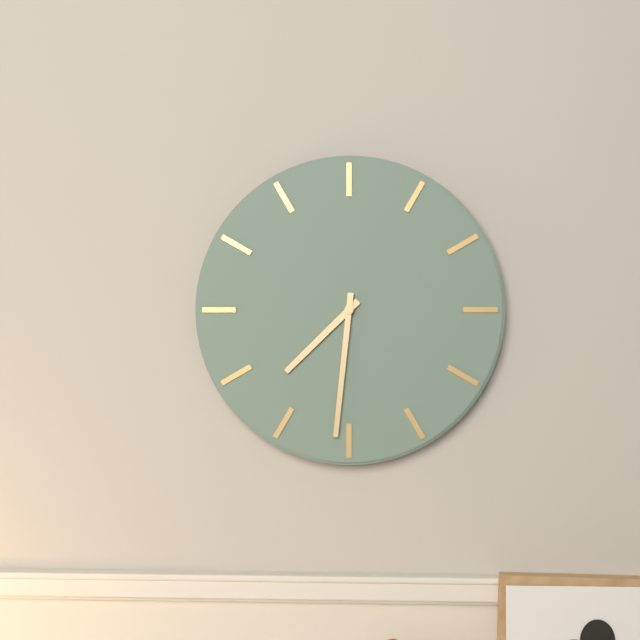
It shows 7.31
